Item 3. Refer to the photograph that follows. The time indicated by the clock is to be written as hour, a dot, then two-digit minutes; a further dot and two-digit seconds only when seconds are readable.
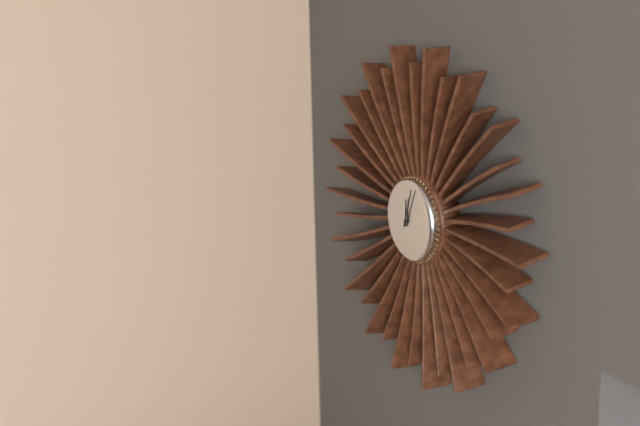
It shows 12.03
